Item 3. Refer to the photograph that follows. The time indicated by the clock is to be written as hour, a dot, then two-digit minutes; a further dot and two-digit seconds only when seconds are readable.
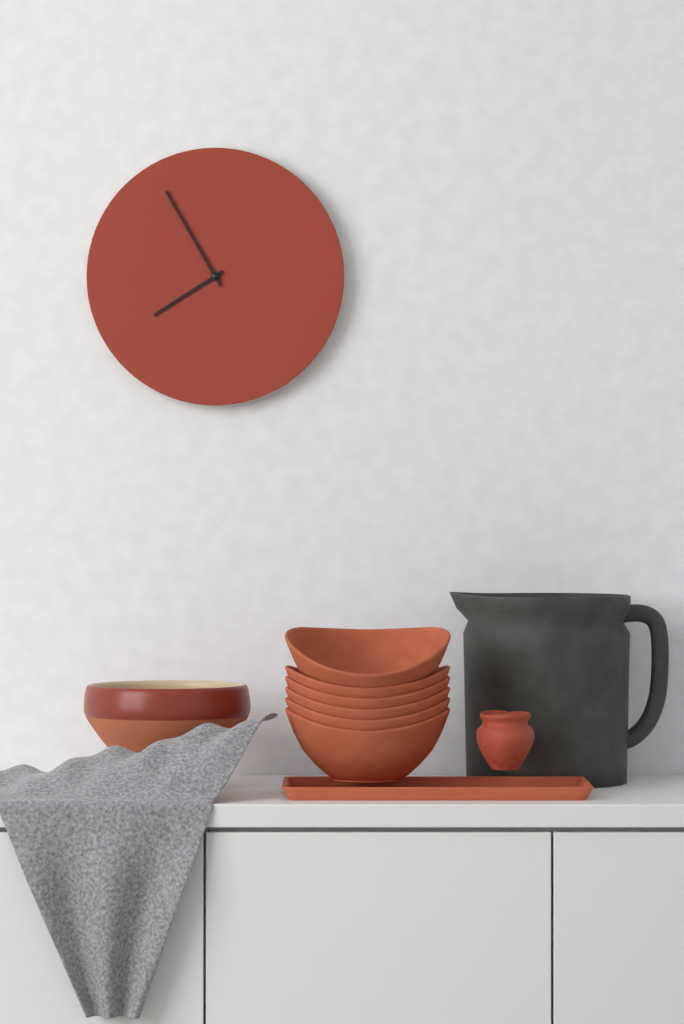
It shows 7.55
